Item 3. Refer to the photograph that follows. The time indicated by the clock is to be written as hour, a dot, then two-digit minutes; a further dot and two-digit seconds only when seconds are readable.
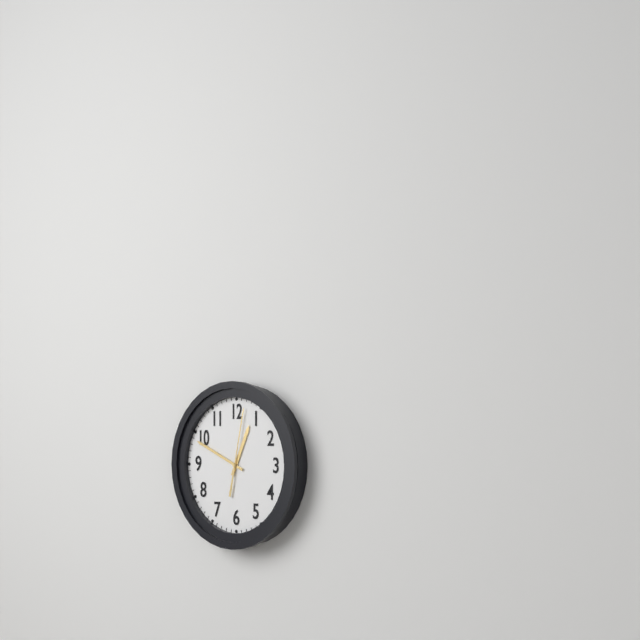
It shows 12.49.02
